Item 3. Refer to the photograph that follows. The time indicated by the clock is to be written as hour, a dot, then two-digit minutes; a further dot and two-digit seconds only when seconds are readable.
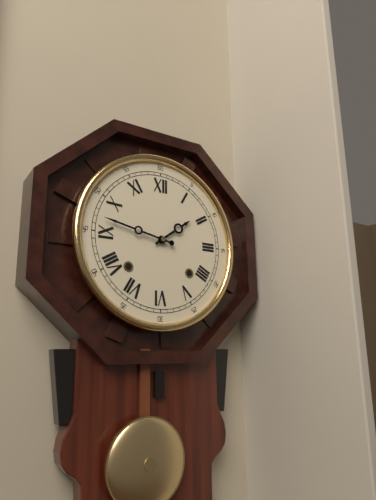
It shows 1.47
